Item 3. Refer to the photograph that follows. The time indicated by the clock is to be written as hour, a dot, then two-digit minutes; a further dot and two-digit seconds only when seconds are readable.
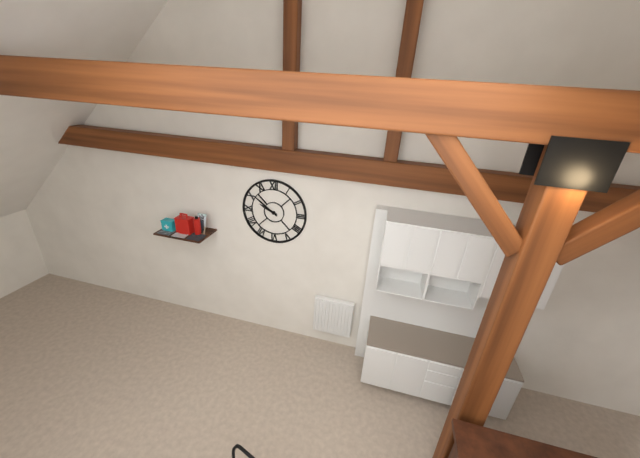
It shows 9.51
